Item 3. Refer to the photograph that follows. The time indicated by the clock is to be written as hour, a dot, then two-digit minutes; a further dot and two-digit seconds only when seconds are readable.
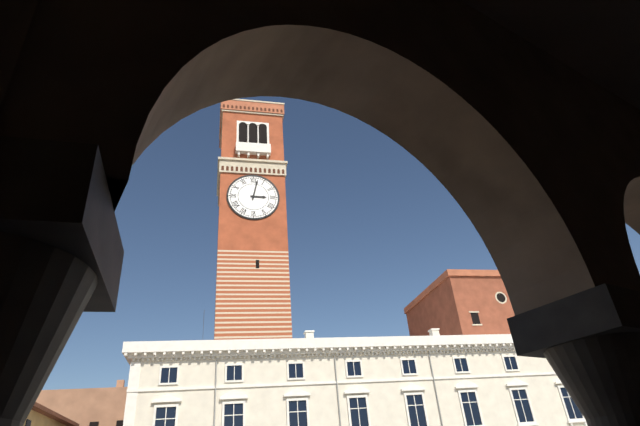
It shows 3.02
